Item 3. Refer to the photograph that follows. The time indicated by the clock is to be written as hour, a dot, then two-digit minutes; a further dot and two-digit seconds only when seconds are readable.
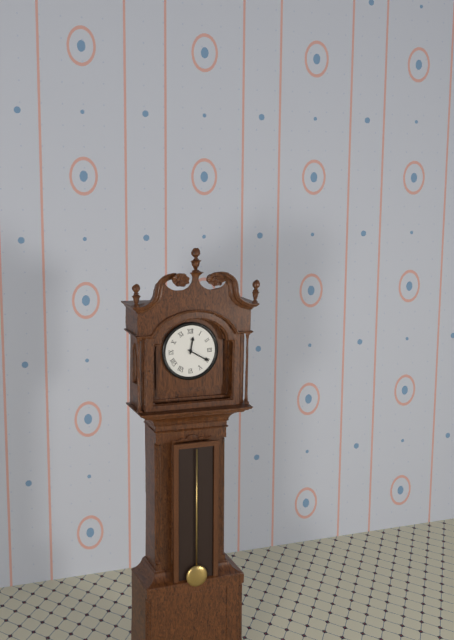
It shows 12.20
